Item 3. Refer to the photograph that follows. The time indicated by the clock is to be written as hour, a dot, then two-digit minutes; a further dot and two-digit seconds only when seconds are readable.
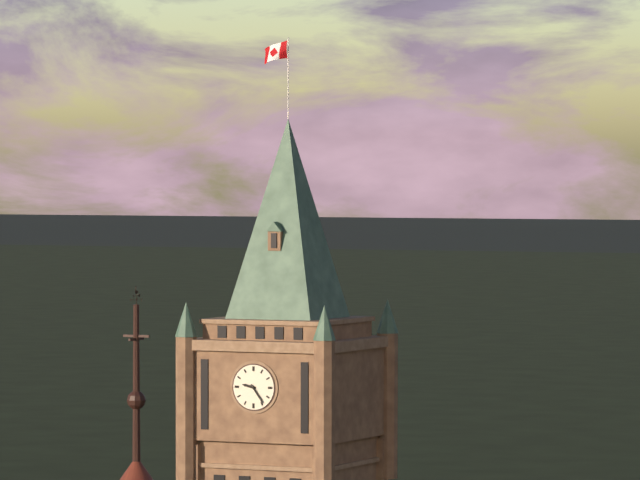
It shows 9.24
